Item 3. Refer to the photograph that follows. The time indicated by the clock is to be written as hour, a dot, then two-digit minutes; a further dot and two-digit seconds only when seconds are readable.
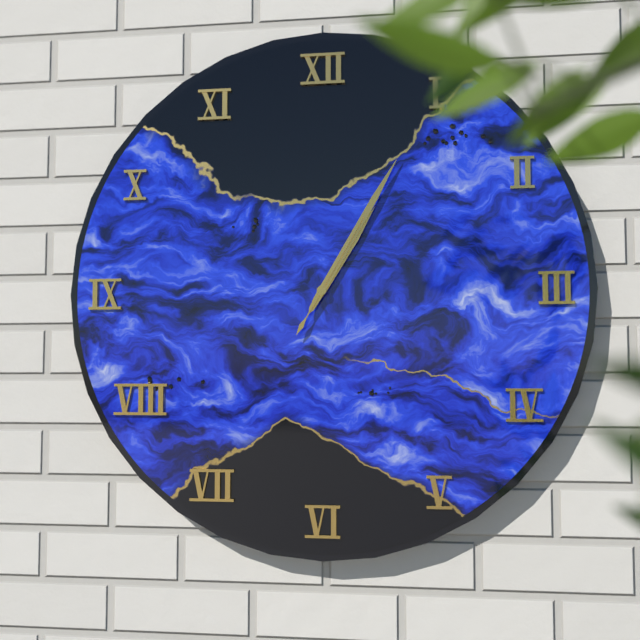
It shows 1.05.05
